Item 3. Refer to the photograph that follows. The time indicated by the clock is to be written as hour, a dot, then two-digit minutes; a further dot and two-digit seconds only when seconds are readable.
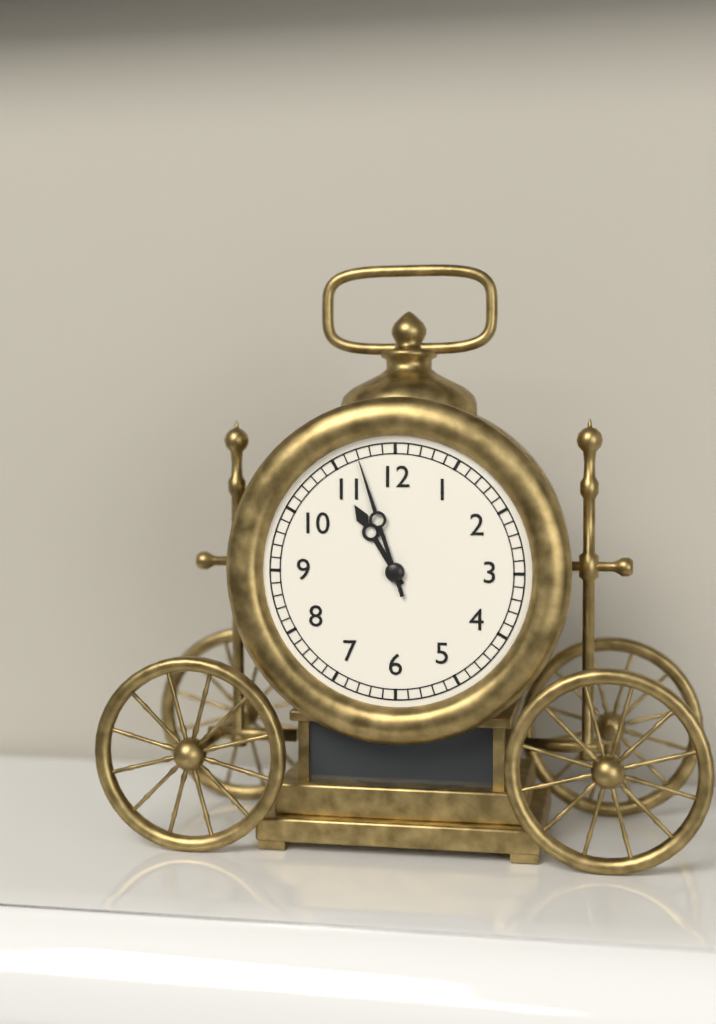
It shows 10.57
